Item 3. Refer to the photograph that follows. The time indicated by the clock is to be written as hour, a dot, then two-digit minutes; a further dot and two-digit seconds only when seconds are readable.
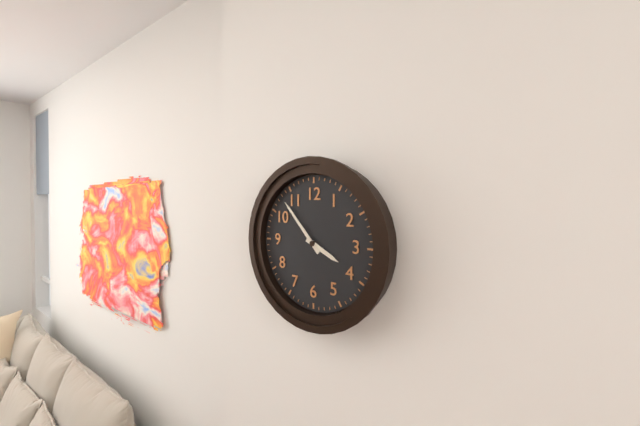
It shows 3.53
